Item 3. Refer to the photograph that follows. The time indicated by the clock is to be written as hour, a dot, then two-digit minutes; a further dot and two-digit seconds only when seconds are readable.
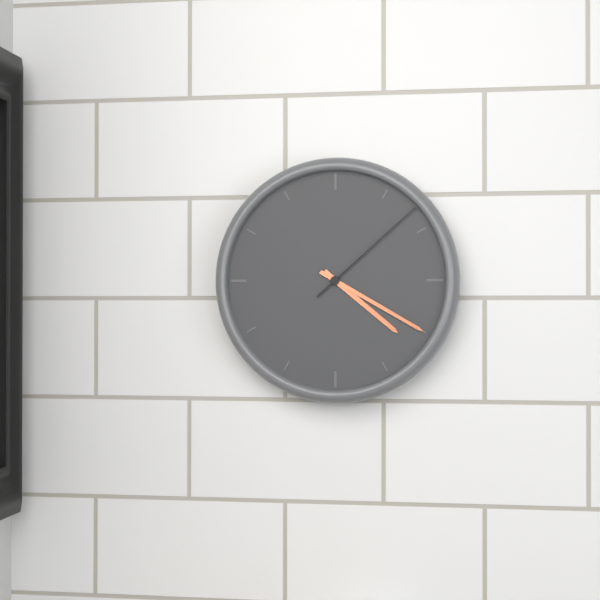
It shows 4.20.08
